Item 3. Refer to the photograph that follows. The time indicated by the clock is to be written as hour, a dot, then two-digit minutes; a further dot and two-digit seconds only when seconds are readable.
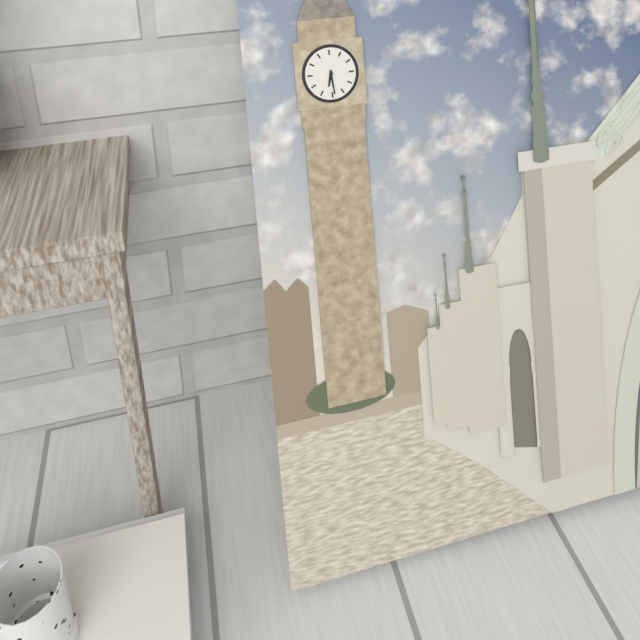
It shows 6.29
